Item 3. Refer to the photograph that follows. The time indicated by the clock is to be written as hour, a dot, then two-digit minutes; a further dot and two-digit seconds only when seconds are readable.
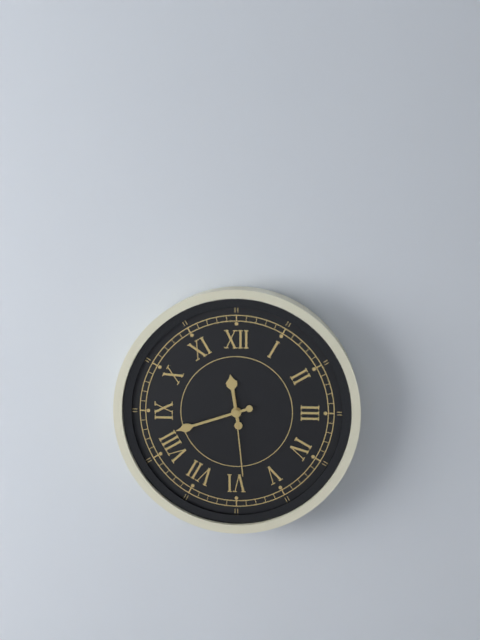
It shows 11.42.29
